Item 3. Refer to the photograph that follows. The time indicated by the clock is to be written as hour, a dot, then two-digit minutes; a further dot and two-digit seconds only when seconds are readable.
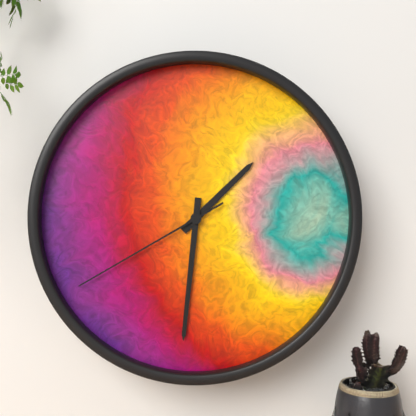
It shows 1.31.40
